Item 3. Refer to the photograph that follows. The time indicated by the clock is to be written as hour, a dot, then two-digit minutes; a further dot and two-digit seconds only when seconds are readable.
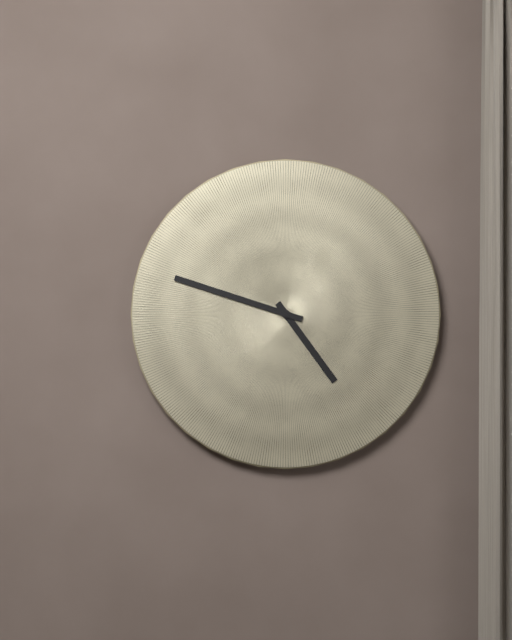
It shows 4.48
